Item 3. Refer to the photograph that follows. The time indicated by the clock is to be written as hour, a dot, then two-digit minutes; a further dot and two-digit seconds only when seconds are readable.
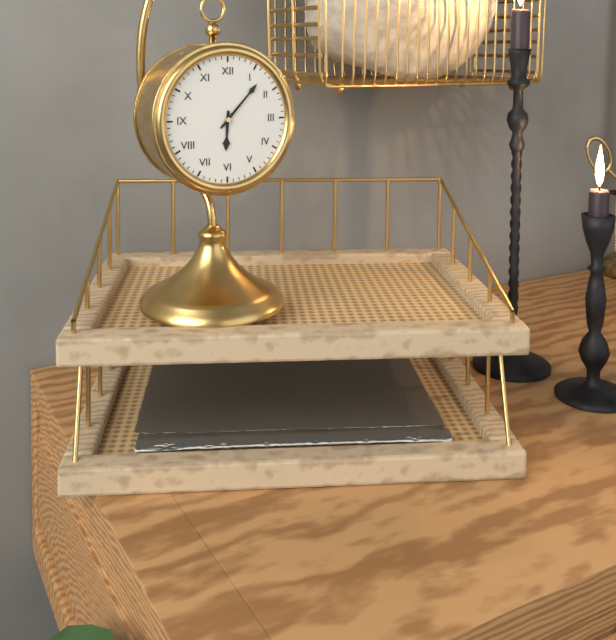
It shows 6.07
